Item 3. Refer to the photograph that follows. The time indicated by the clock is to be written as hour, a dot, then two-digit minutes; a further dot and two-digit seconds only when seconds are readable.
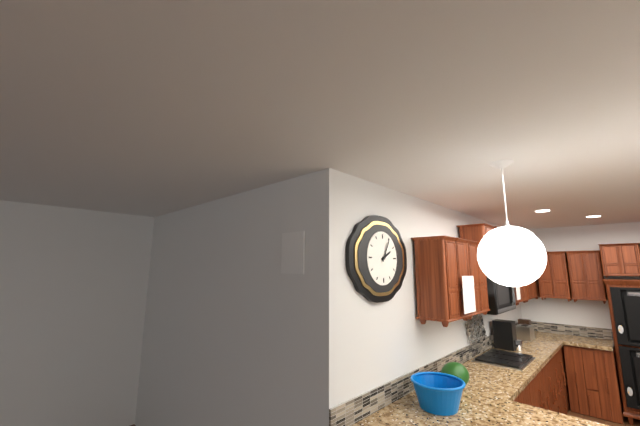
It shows 2.05
